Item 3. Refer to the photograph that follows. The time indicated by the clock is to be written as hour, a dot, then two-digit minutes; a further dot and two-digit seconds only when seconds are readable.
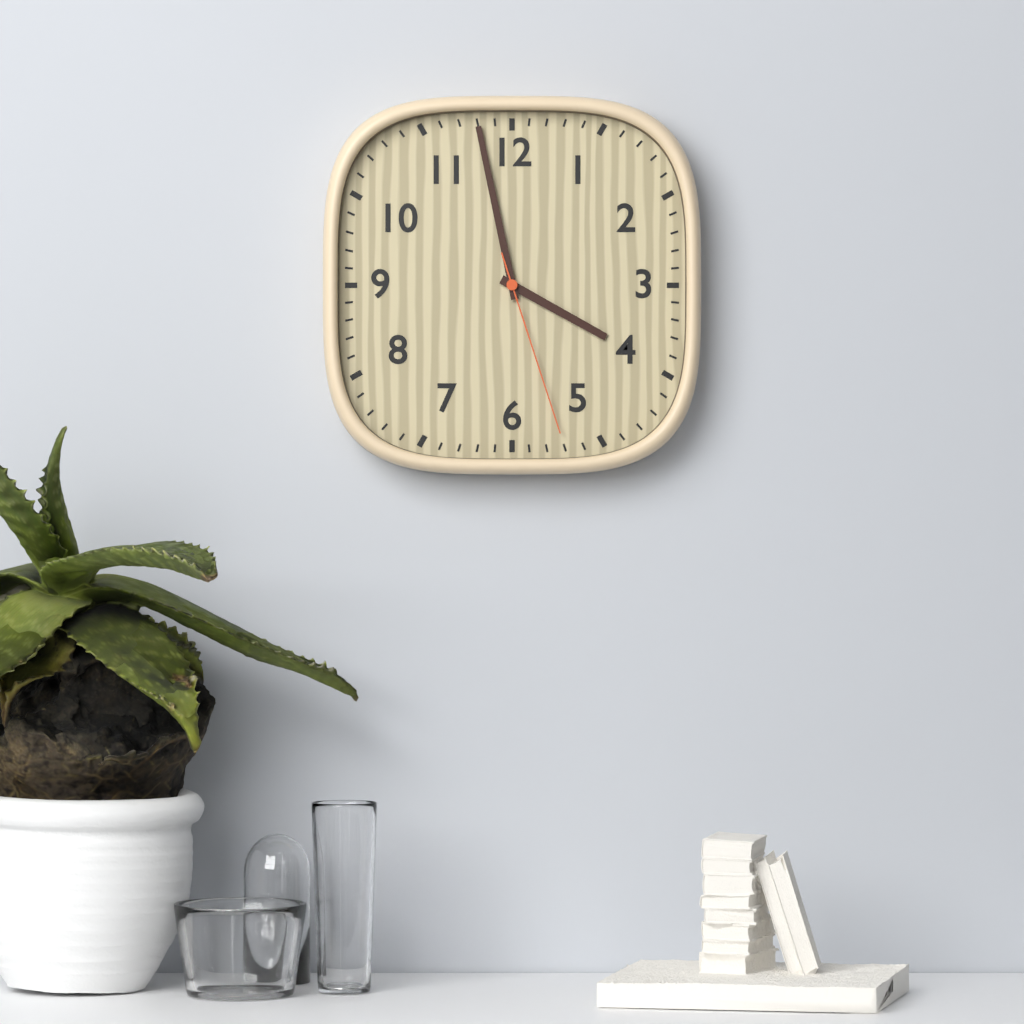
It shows 3.58.27
